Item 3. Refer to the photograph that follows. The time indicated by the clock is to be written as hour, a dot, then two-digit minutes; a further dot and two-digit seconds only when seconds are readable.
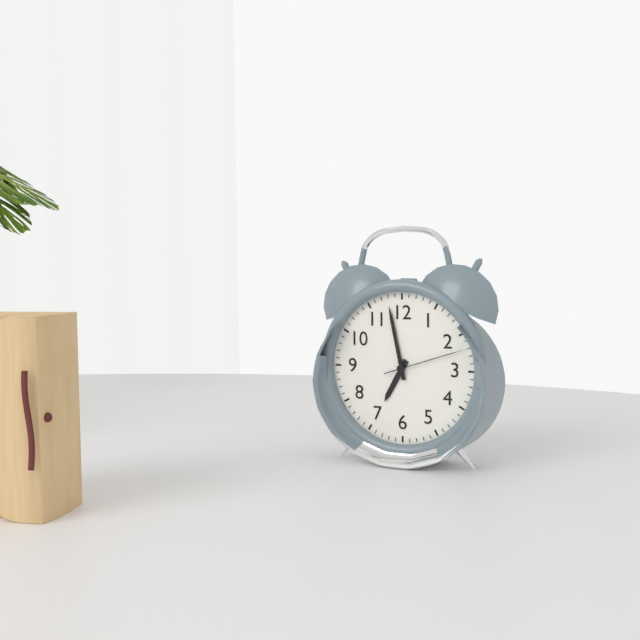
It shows 6.58.12
